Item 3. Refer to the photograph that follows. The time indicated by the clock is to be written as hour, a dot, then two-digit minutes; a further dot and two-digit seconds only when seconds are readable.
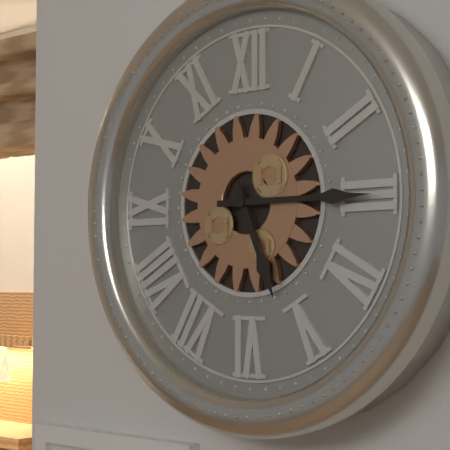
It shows 5.15
